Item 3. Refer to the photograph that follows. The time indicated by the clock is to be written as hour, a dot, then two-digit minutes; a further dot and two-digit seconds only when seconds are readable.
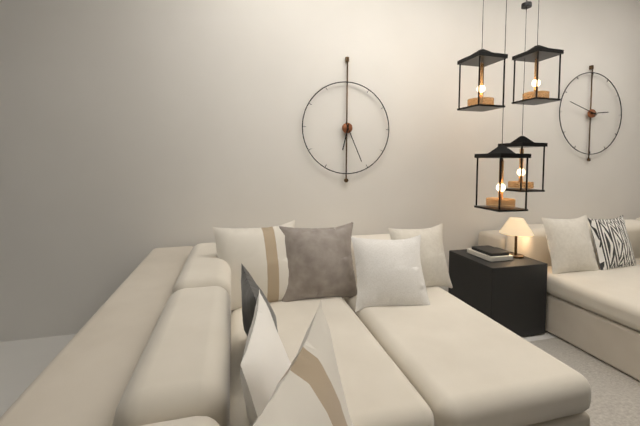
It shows 6.26
